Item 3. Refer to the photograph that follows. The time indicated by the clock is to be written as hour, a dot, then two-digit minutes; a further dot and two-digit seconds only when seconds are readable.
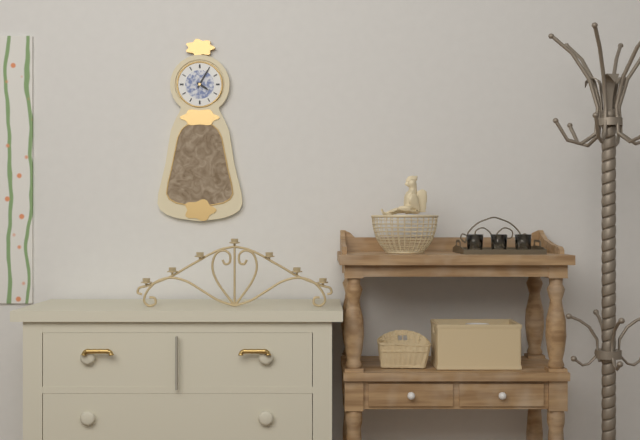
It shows 4.05
